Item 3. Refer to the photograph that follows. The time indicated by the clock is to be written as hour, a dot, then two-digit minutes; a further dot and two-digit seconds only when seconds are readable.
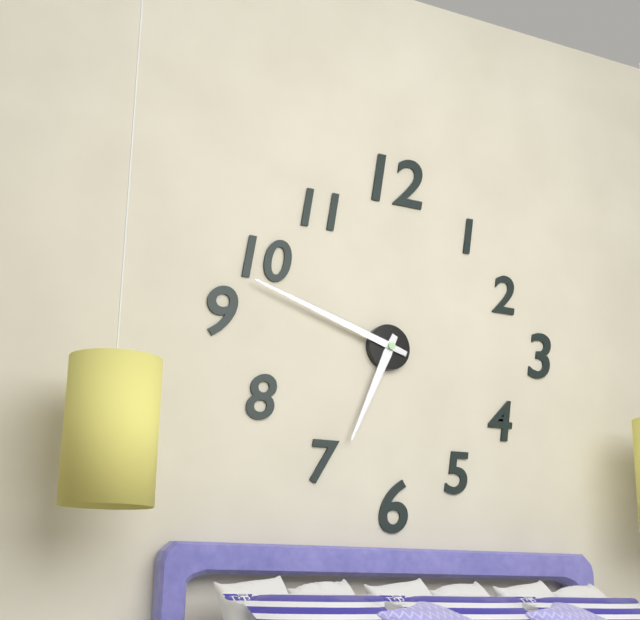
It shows 6.48
